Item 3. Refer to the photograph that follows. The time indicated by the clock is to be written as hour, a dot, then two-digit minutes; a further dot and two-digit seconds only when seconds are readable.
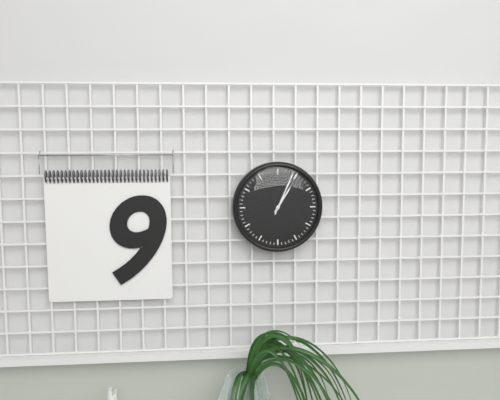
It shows 1.04
